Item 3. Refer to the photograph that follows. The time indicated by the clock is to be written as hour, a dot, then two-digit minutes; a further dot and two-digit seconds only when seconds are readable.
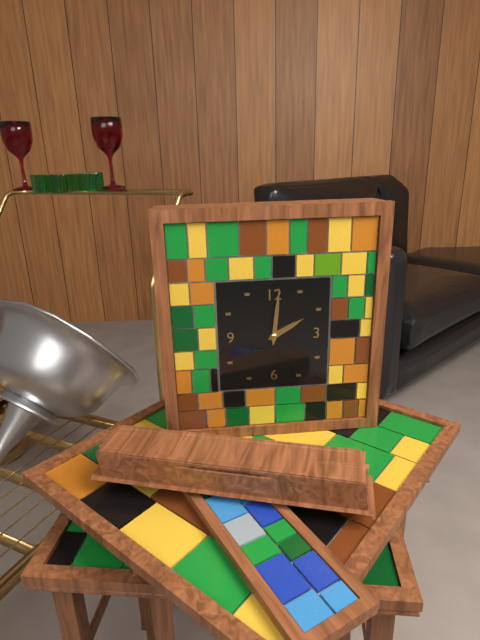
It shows 2.01
